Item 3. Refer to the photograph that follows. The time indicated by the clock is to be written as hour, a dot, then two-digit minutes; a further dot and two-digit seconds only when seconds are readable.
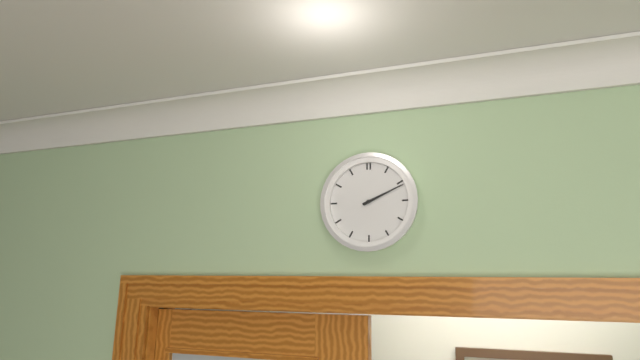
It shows 2.11
